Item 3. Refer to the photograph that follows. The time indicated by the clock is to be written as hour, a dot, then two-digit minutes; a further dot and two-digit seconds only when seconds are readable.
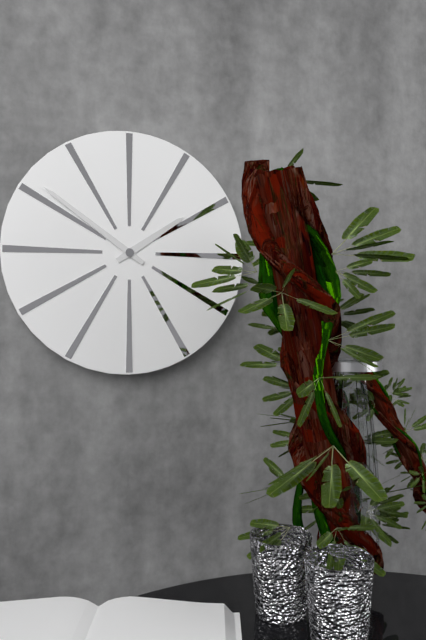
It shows 1.51
